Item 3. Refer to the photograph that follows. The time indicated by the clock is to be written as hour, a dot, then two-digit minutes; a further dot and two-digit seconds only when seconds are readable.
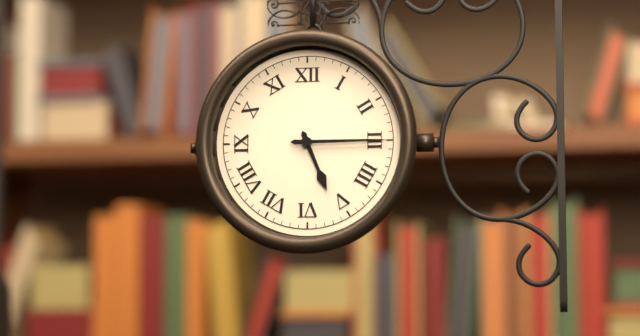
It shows 5.15
